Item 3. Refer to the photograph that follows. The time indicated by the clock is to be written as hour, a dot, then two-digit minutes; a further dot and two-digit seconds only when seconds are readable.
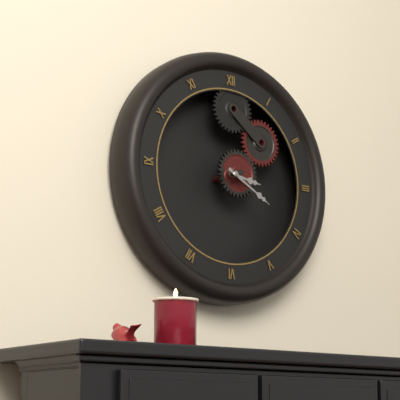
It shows 3.20
